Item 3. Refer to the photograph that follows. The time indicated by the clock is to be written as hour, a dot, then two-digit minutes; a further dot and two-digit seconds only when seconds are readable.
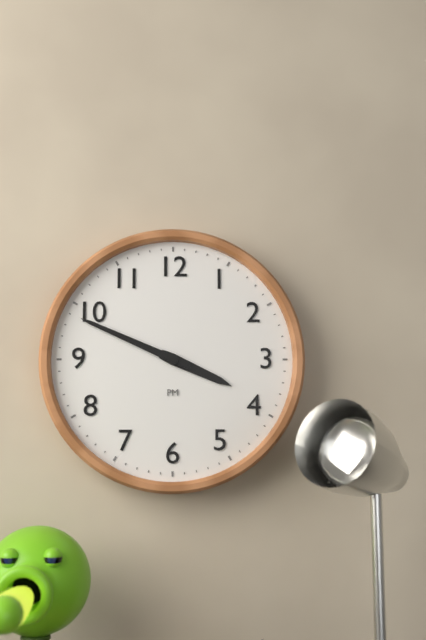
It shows 3.49
